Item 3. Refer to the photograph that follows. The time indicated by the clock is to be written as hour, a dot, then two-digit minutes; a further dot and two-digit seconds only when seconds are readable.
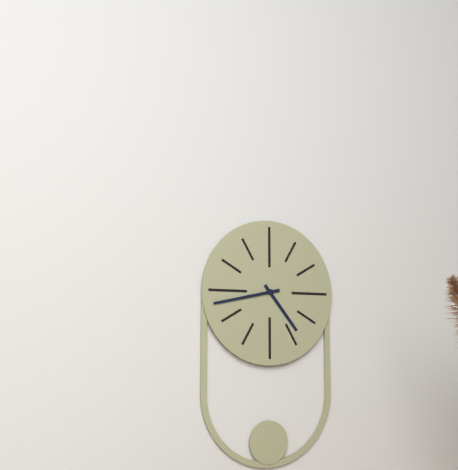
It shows 4.43
